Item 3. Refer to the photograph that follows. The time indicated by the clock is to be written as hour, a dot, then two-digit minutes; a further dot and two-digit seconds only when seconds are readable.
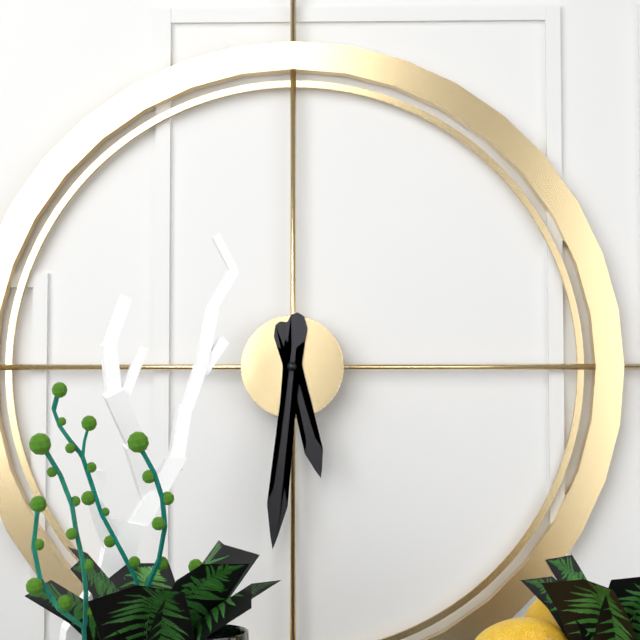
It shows 5.31
